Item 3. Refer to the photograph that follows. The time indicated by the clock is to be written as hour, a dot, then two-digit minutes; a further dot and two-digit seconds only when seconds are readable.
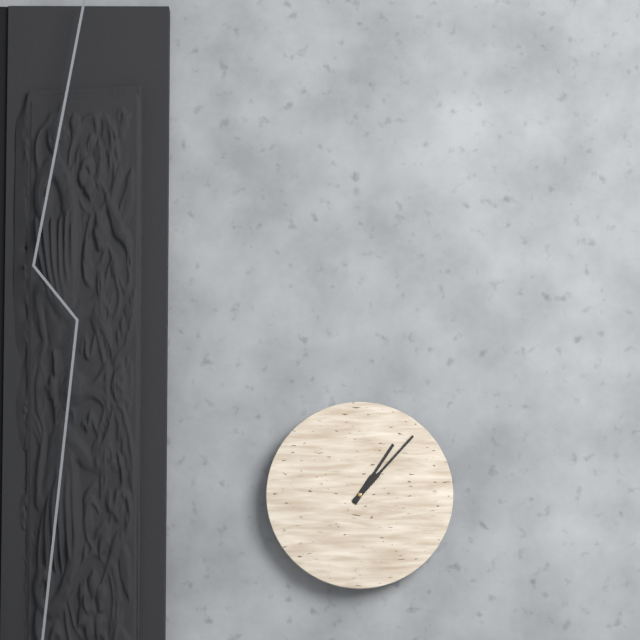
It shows 1.07
